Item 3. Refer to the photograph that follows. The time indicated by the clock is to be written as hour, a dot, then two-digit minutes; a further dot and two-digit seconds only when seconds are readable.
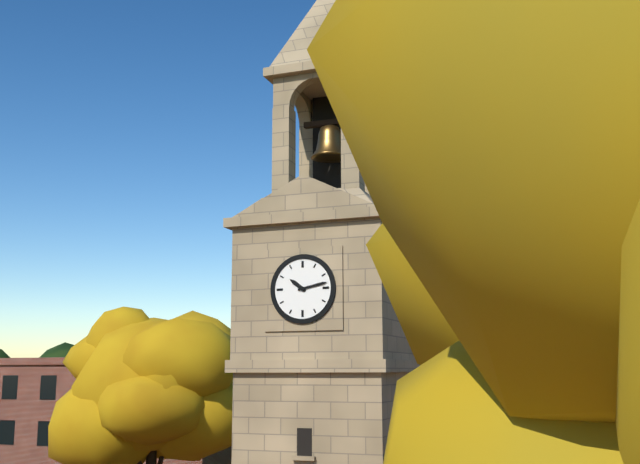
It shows 10.13
